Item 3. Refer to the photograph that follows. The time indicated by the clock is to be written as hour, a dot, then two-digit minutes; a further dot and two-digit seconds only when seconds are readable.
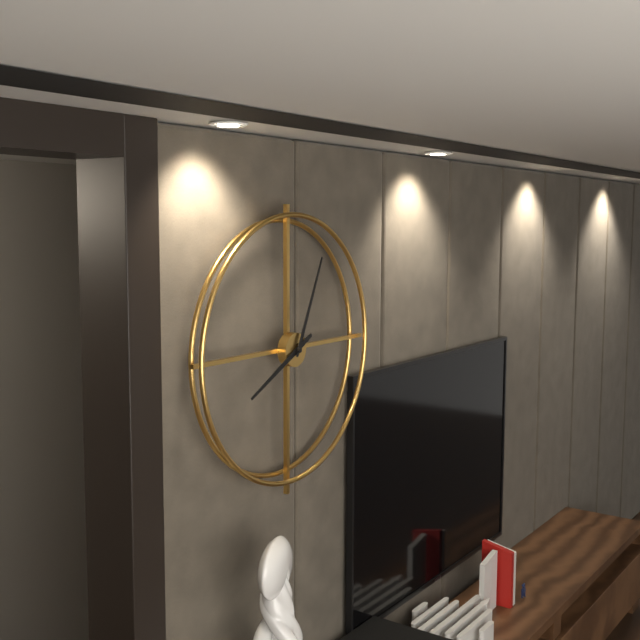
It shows 8.04
